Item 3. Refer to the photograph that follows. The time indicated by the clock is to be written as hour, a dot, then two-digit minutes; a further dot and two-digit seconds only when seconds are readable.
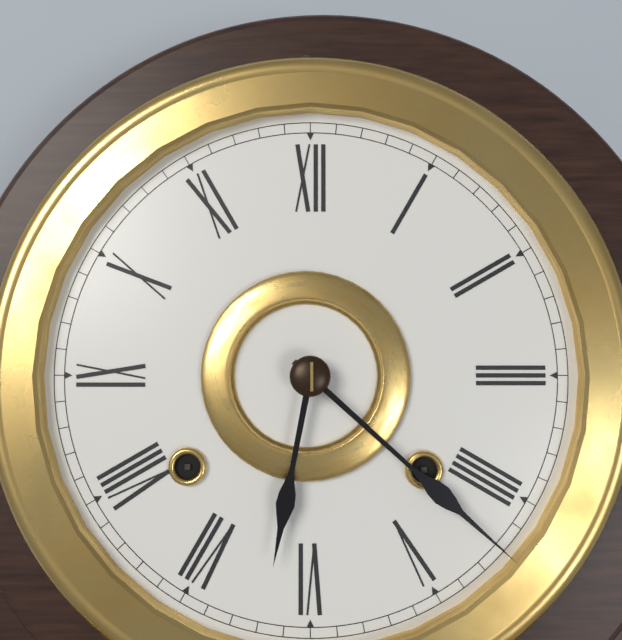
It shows 6.22
